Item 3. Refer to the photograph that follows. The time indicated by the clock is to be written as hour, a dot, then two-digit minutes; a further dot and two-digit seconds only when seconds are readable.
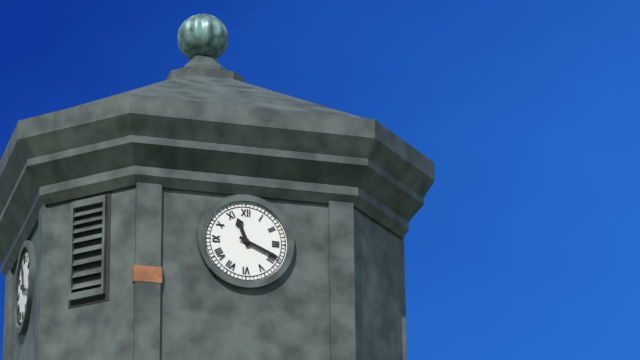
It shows 11.19
